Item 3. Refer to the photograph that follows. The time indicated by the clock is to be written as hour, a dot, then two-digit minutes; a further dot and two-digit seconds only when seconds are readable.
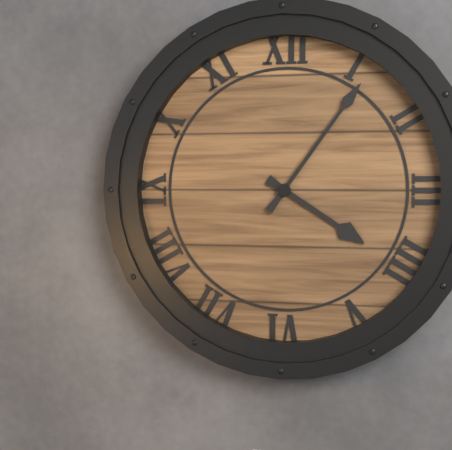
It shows 4.06
